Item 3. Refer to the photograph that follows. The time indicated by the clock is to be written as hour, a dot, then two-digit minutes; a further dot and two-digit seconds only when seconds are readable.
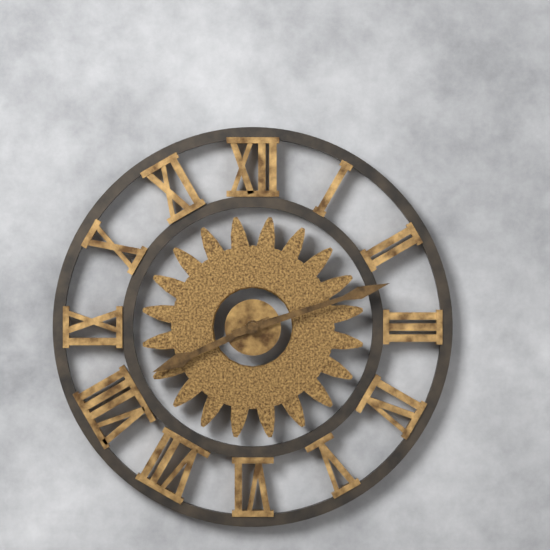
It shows 8.12
